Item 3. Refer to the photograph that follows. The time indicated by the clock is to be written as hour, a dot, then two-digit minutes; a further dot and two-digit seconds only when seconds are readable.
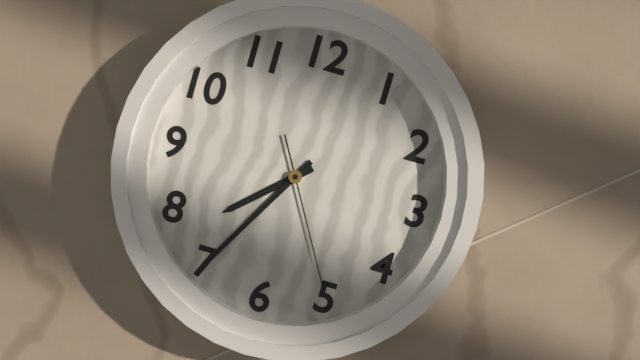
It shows 7.35.25
